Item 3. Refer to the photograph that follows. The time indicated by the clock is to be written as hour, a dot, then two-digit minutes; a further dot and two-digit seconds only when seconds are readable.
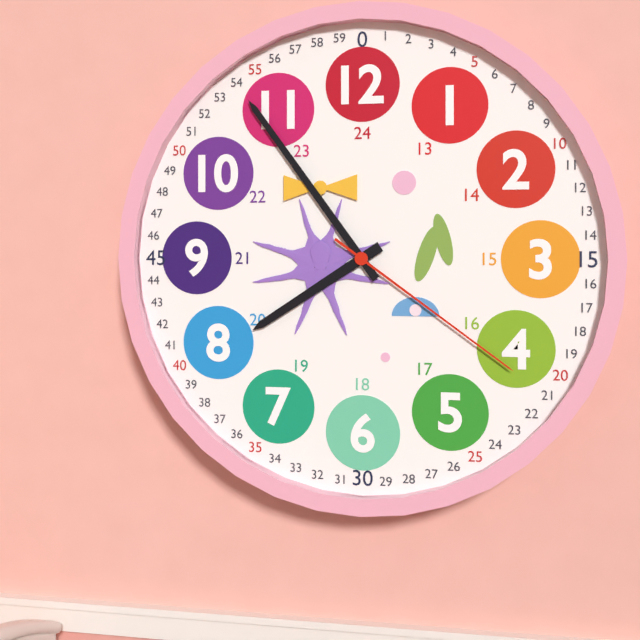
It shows 7.54.21
